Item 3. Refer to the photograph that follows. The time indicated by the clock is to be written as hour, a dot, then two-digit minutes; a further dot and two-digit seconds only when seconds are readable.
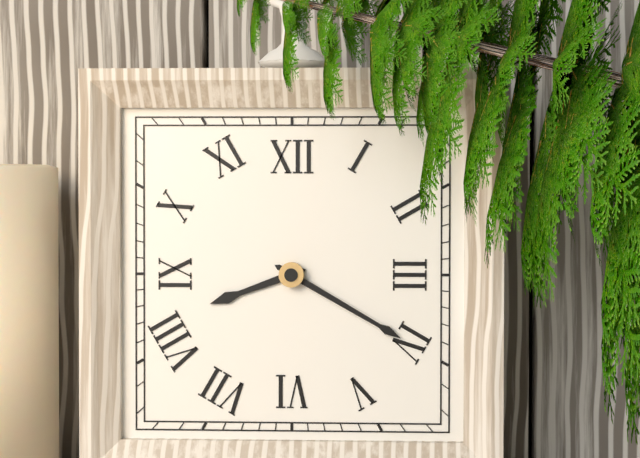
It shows 8.20
